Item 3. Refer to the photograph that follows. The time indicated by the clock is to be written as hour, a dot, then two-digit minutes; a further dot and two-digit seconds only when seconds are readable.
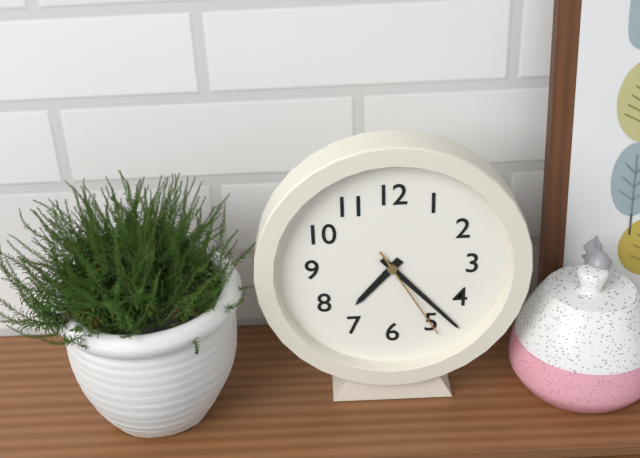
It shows 7.23.25
